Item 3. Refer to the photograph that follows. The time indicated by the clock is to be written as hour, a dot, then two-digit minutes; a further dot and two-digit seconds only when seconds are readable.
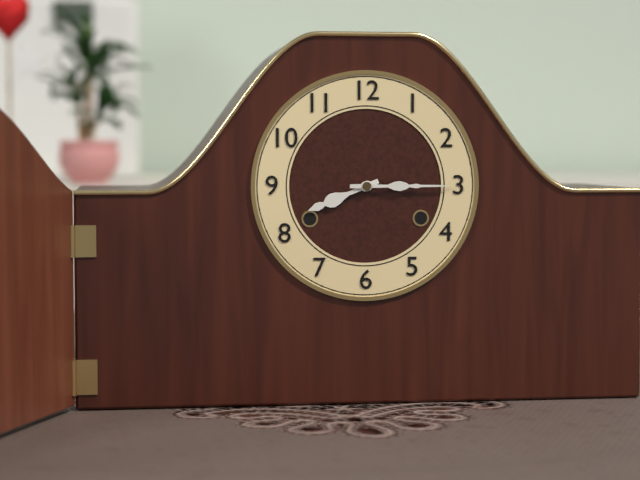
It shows 8.15
